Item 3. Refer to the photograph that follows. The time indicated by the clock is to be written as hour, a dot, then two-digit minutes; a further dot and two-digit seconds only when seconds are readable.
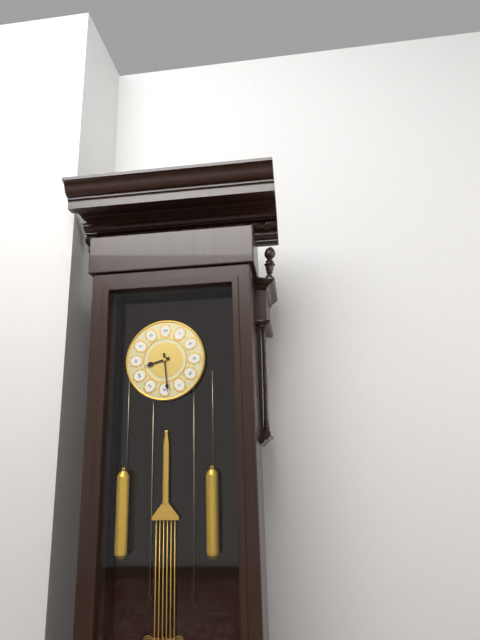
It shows 8.29
